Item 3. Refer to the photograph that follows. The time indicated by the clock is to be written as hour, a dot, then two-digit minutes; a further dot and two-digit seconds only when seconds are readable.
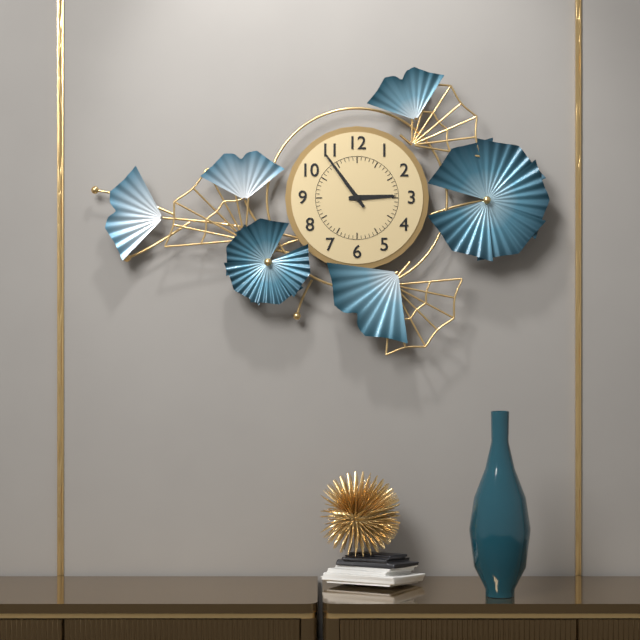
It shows 2.54
